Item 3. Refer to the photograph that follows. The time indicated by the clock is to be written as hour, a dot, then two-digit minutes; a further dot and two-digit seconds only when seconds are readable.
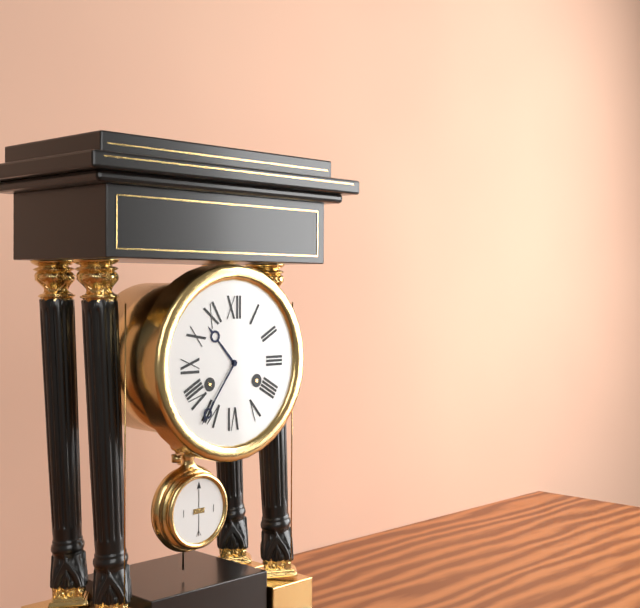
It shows 10.36
